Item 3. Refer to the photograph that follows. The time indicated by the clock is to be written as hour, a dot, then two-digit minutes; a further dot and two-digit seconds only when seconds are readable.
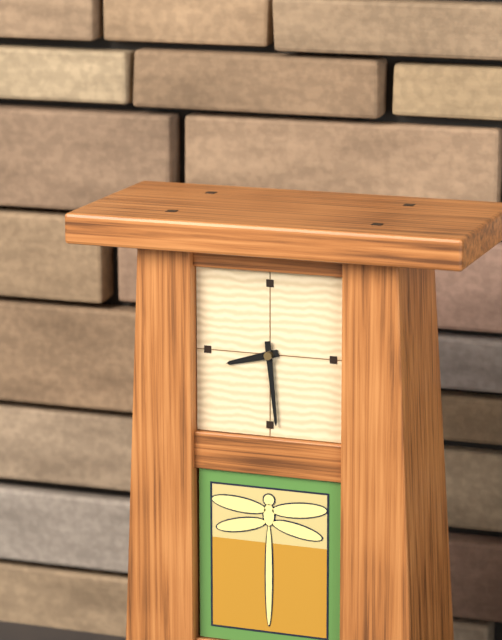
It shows 8.29
